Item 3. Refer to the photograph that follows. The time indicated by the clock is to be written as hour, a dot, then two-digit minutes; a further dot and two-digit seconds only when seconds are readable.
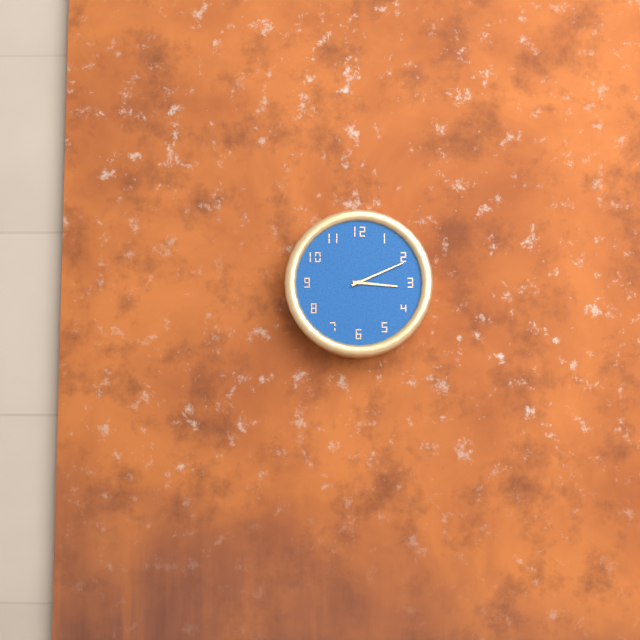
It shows 3.11
